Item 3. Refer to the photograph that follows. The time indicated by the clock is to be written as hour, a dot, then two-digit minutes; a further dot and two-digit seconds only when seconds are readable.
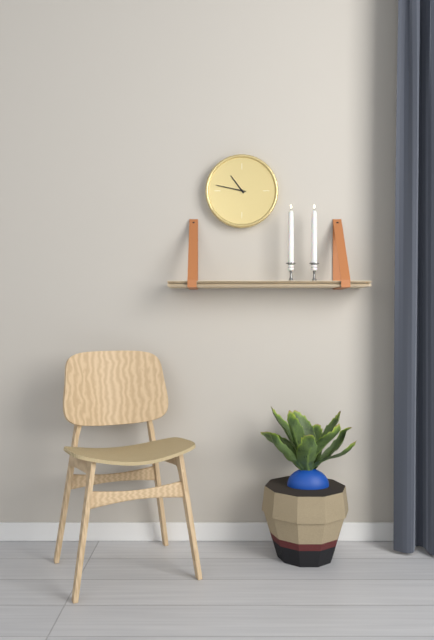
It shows 10.47
